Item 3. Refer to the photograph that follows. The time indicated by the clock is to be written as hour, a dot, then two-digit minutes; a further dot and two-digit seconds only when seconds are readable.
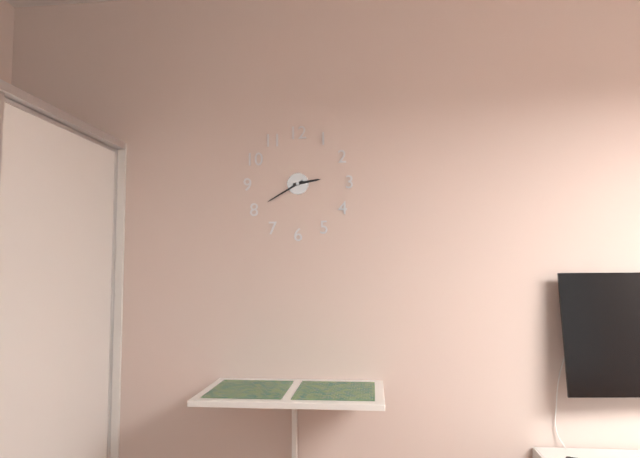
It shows 2.40
